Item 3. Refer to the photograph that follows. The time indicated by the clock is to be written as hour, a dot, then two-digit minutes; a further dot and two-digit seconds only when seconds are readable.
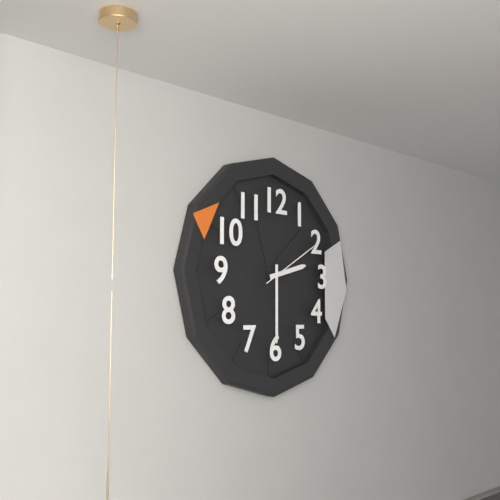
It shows 2.30.10
